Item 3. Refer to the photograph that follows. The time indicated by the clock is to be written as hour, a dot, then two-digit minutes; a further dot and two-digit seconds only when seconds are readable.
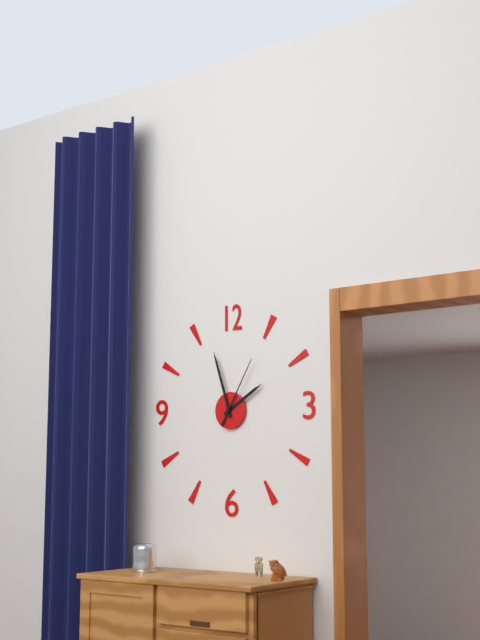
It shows 1.57.05
